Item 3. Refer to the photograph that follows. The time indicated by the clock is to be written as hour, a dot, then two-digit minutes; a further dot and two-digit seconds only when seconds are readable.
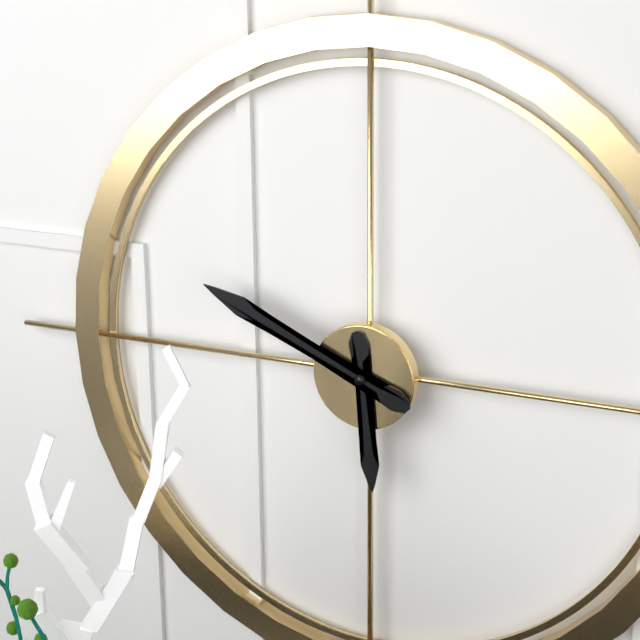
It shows 5.49
